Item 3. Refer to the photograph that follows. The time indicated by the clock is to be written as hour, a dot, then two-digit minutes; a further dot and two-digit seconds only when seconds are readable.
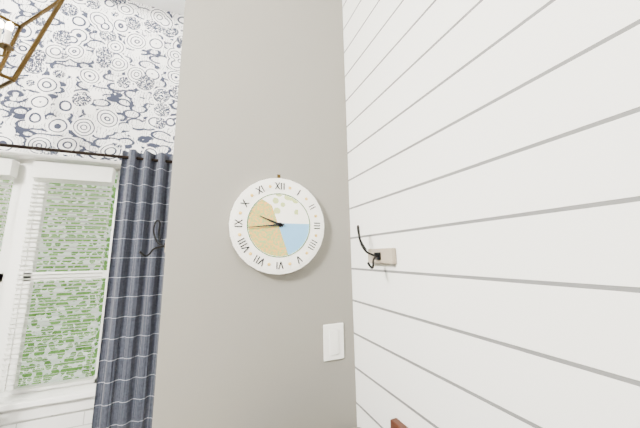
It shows 9.44
